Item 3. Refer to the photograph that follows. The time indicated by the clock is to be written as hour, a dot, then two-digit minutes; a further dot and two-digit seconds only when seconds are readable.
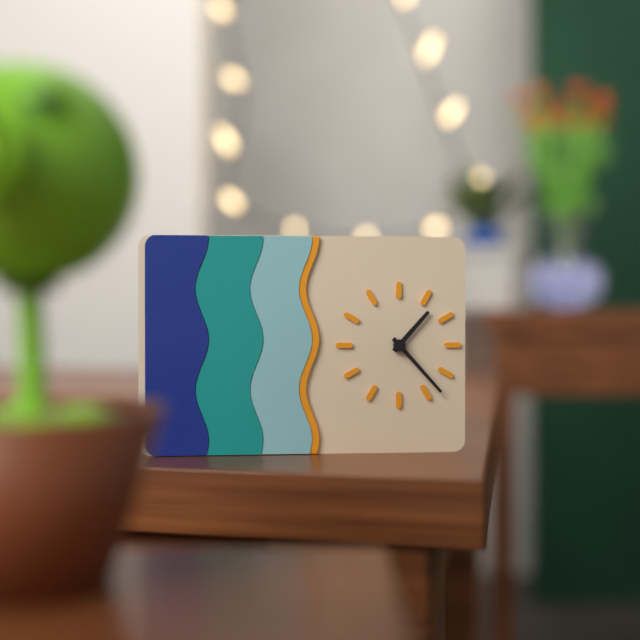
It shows 1.23
